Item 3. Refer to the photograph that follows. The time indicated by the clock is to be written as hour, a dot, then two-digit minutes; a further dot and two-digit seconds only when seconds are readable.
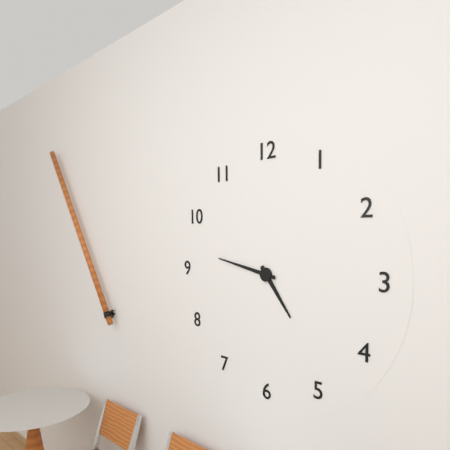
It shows 4.47
